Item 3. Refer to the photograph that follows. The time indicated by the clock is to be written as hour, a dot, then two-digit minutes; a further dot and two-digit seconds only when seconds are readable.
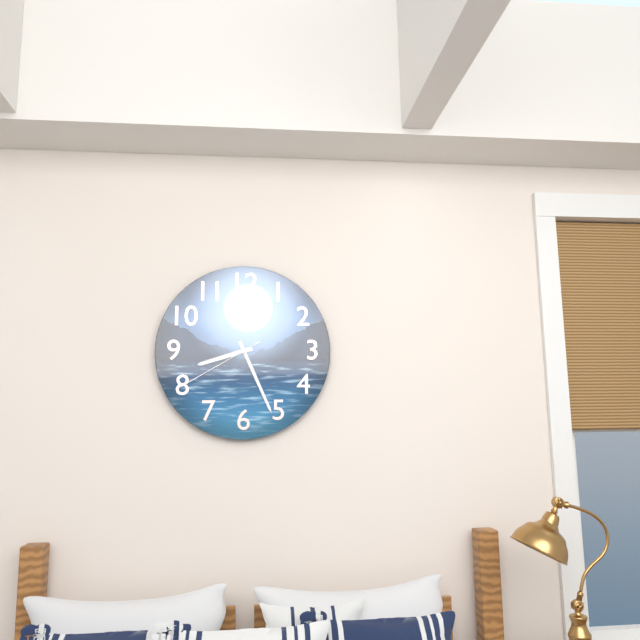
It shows 8.26.40
